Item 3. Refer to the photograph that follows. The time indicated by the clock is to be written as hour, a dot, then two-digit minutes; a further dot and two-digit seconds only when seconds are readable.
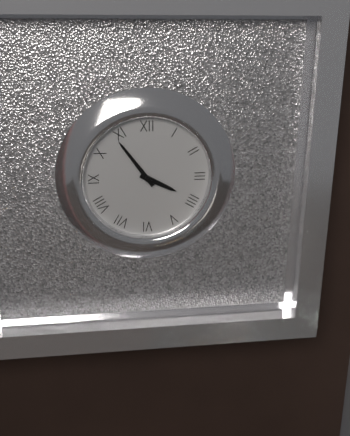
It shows 3.54
